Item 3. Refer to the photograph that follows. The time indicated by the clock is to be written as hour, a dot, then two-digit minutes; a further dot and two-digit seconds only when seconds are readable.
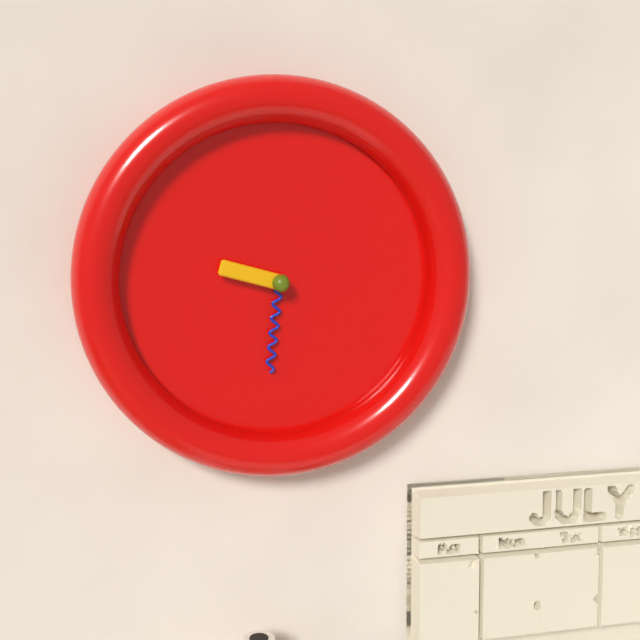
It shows 9.31
